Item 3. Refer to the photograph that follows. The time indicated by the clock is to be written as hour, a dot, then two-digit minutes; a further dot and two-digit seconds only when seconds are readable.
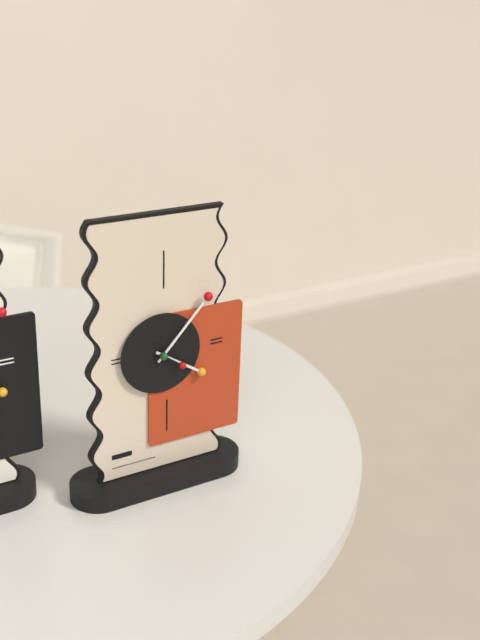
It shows 4.07
